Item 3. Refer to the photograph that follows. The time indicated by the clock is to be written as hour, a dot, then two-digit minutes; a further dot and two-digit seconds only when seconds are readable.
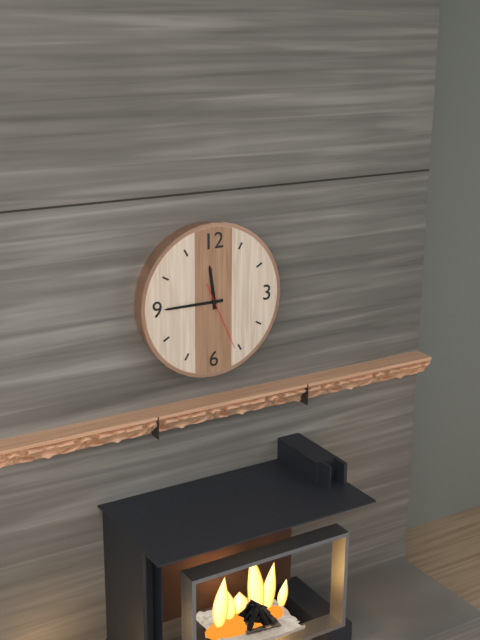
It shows 11.45.26
